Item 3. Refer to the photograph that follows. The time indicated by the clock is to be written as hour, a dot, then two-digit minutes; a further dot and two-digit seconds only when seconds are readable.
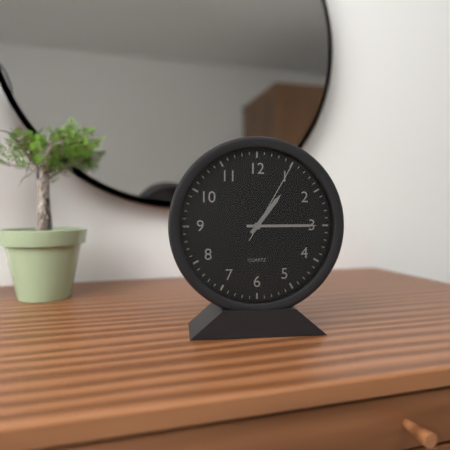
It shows 1.15.05
